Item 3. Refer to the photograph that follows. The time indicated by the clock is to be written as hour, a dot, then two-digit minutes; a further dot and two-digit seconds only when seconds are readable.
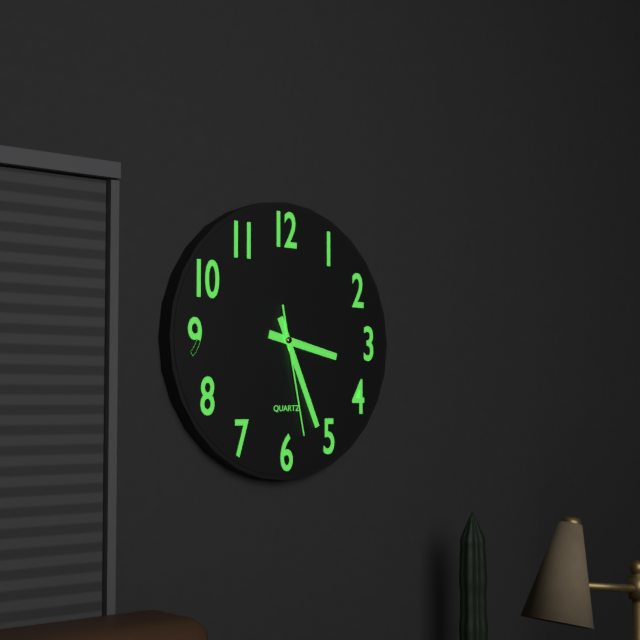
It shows 3.26.28
